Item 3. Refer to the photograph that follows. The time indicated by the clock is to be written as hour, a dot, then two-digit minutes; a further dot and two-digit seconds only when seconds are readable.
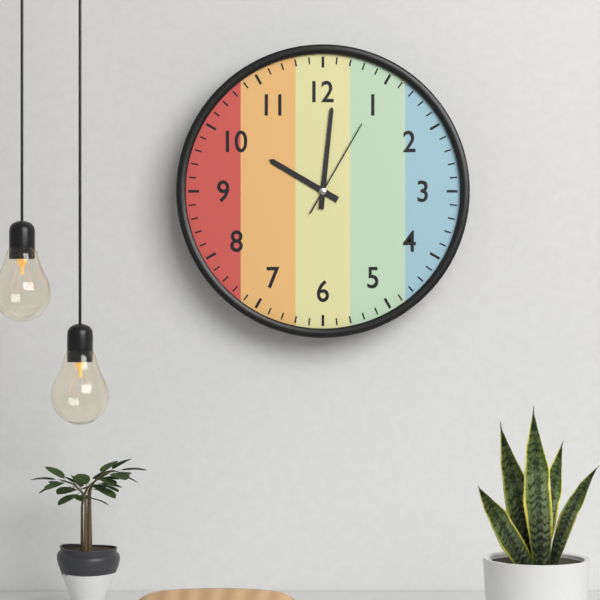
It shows 10.01.05
